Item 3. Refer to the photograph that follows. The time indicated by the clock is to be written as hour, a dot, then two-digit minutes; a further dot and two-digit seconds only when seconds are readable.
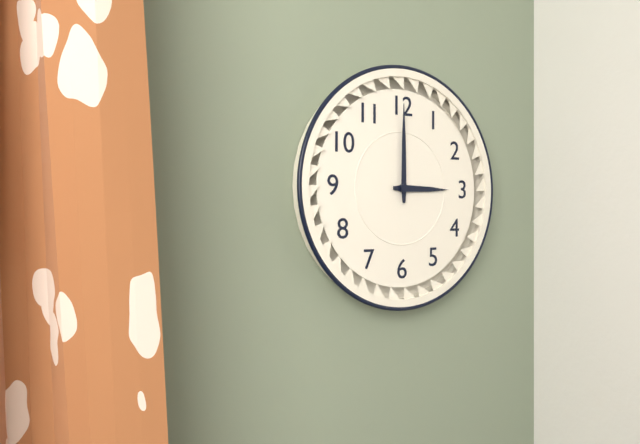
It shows 3.00
